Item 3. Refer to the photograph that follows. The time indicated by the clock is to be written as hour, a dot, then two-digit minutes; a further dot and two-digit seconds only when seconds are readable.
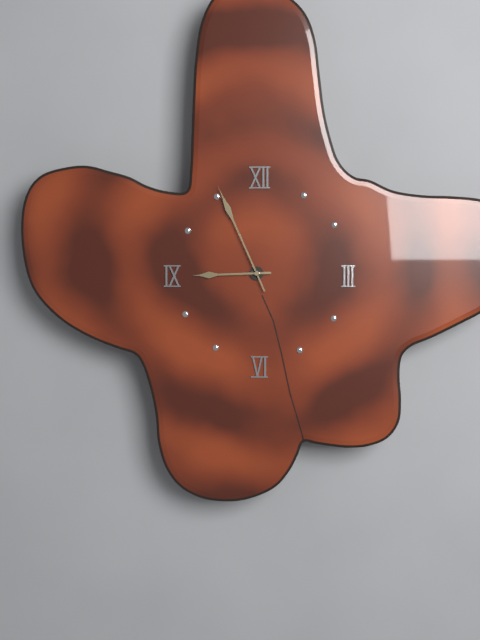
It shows 8.56
